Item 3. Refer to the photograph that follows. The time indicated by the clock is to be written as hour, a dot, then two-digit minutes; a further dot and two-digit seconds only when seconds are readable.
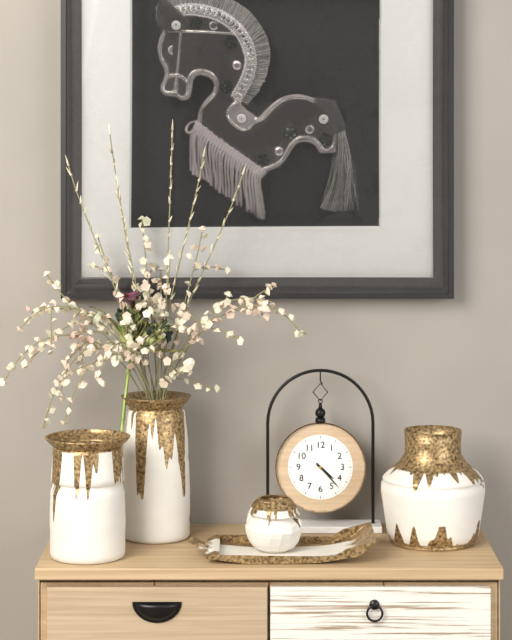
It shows 4.23
